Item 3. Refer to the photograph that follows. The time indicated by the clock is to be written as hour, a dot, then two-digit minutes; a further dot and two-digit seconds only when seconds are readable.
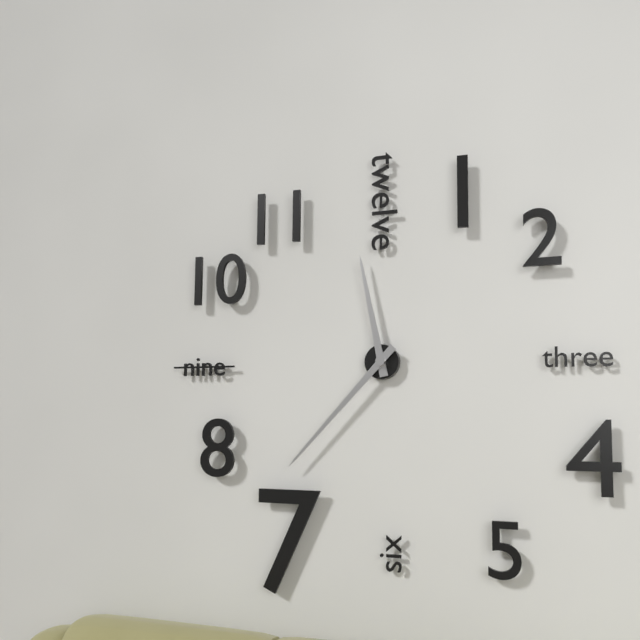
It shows 11.37
